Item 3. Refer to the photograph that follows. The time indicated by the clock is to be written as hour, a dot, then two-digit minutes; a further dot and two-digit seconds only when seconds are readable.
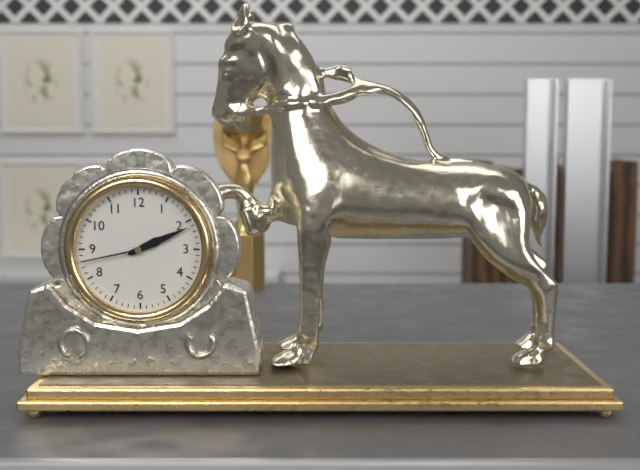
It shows 2.11.43
